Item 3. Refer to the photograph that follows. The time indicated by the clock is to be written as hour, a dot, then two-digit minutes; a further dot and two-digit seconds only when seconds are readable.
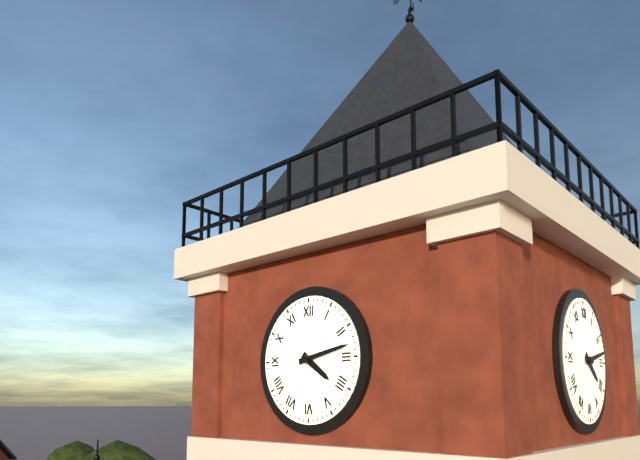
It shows 4.13
